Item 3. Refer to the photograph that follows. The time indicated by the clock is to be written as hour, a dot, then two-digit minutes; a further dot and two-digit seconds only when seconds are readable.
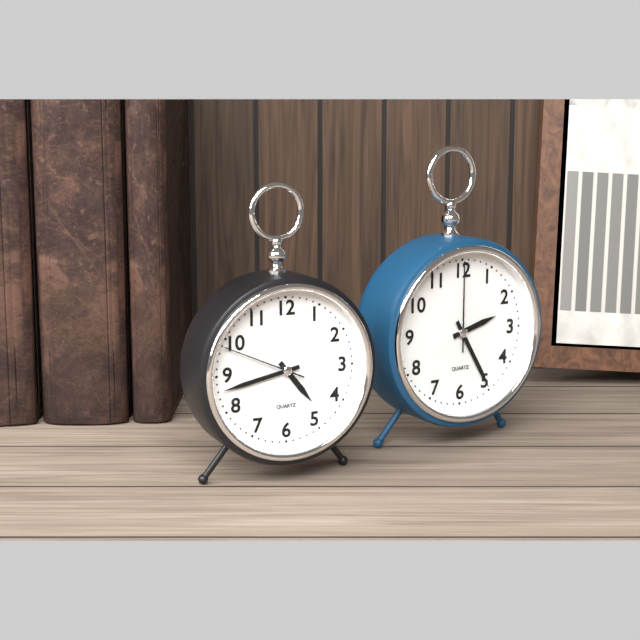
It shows 4.43.49
